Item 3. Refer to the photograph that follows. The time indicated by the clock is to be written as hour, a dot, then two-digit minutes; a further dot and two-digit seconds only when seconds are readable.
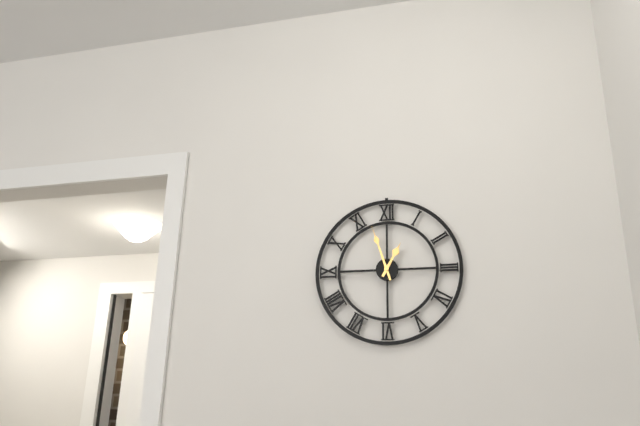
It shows 12.57
